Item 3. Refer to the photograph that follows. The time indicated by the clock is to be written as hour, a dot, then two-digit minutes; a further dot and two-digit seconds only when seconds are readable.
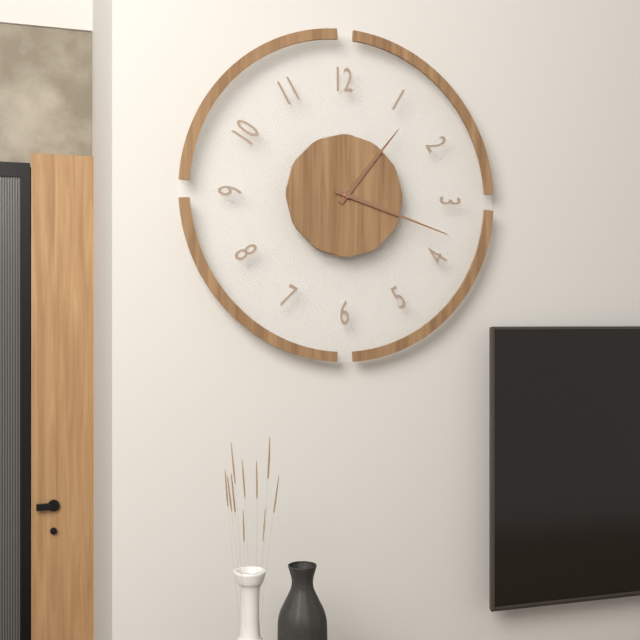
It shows 1.18
